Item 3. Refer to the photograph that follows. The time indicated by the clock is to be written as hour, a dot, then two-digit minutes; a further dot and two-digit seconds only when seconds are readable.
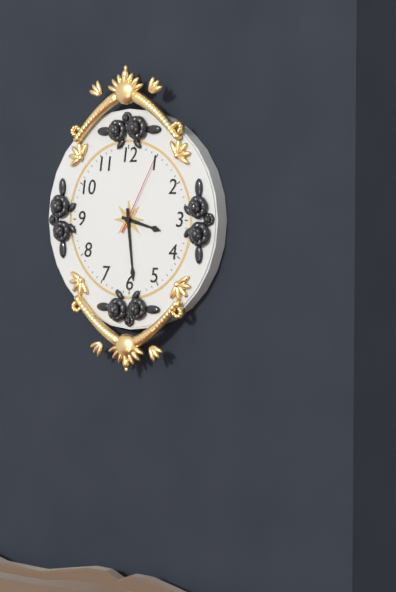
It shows 3.29.05
